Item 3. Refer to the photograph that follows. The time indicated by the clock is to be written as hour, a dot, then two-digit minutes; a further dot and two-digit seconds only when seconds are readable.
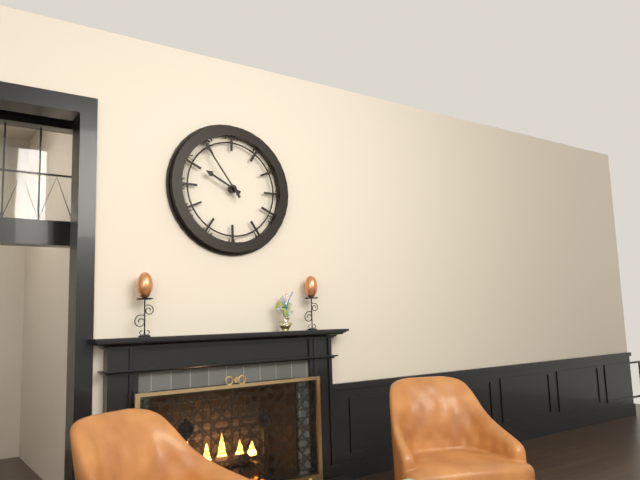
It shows 9.54
